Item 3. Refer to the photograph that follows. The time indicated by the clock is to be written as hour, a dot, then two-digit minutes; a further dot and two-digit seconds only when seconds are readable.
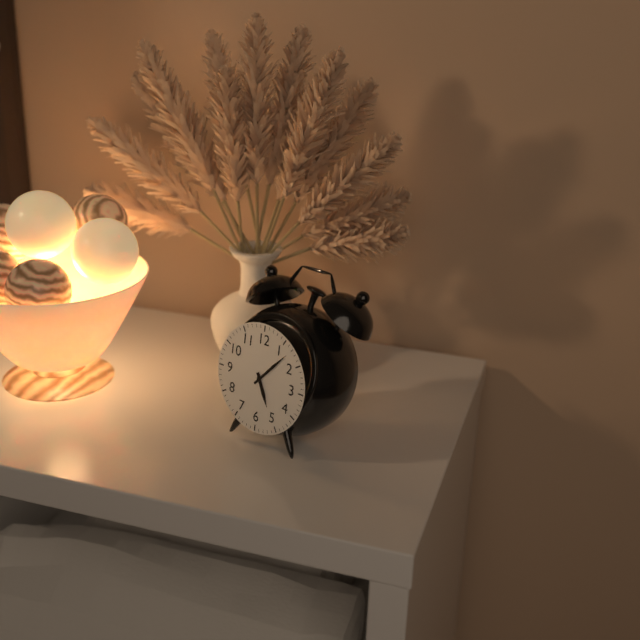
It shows 5.07
